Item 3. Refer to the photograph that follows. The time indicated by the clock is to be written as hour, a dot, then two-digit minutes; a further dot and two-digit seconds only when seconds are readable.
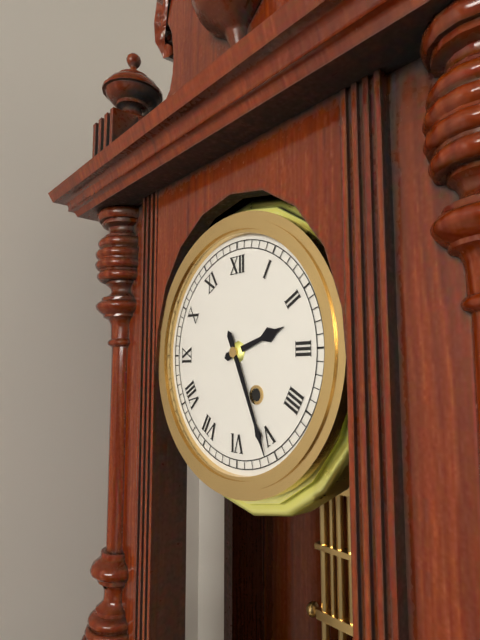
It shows 2.26
